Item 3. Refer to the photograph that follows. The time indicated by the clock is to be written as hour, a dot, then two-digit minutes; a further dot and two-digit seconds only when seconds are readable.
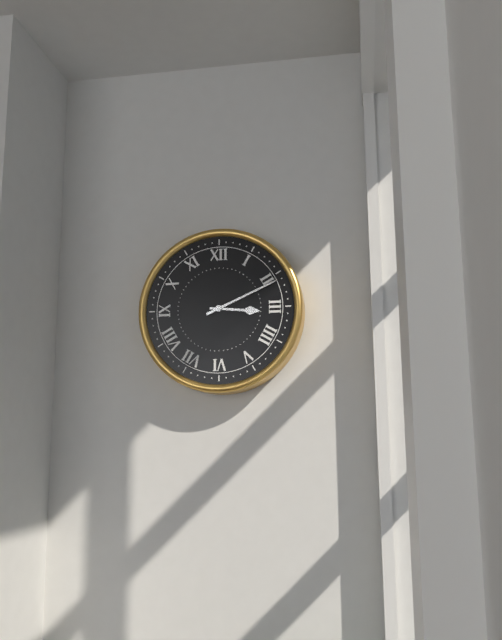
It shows 3.11
